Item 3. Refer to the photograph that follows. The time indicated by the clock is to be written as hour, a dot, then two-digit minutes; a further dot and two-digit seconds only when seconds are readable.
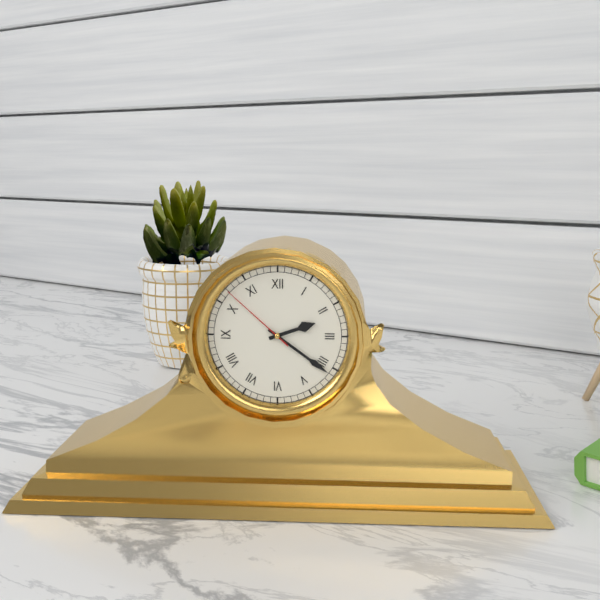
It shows 2.21.52
